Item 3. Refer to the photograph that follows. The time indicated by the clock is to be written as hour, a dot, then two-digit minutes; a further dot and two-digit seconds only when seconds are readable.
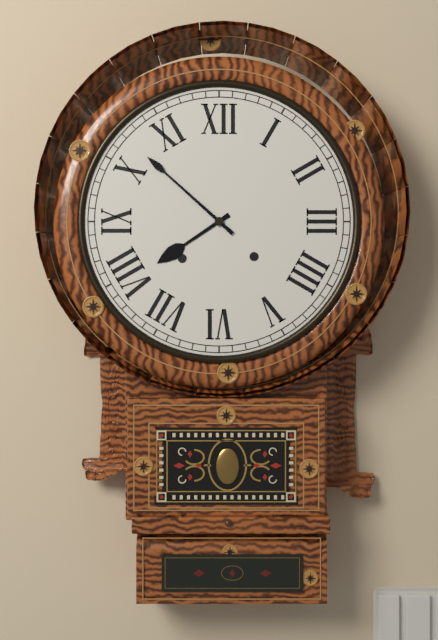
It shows 7.52
